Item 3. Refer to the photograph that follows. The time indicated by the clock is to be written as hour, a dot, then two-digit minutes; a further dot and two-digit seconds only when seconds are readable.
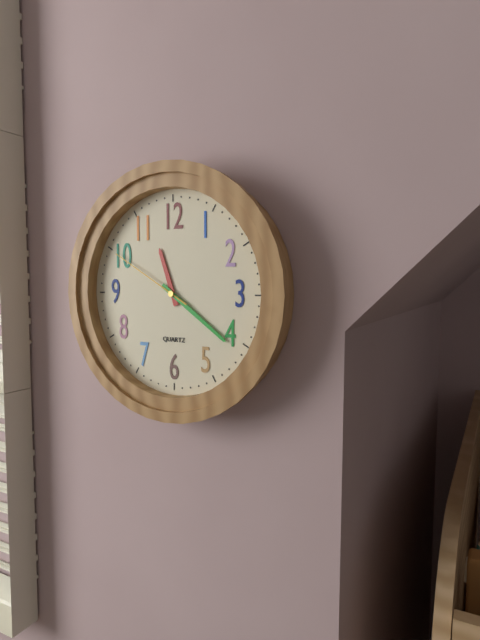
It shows 11.21.50
